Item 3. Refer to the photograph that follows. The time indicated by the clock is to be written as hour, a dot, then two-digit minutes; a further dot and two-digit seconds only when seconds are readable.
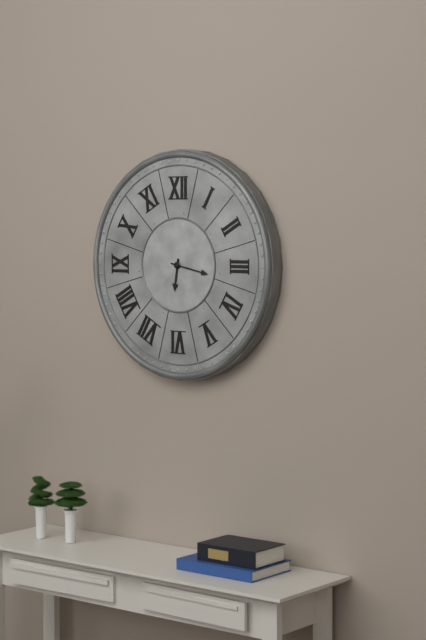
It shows 6.17
